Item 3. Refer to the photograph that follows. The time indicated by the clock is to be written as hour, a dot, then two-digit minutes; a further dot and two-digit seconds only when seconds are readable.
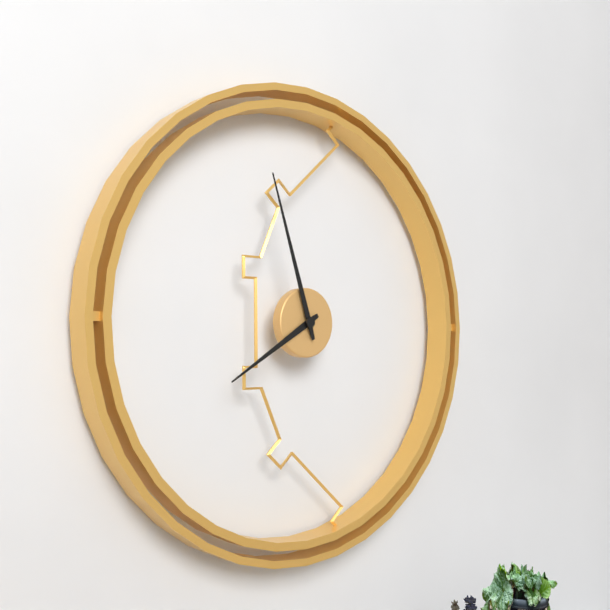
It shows 7.57
